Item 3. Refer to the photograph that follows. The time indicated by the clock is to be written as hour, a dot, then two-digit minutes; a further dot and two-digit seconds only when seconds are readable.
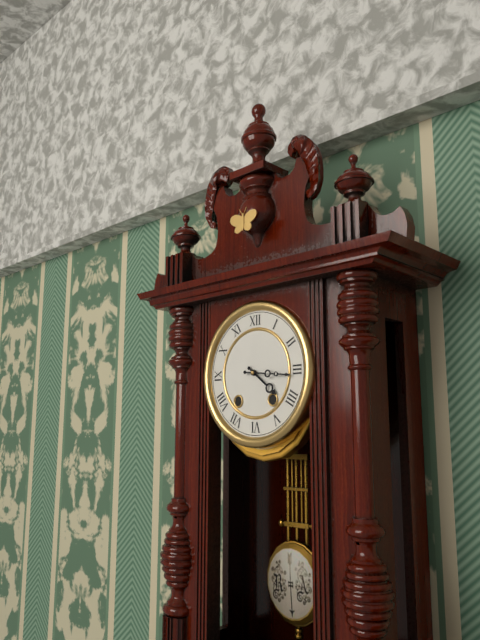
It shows 4.16
